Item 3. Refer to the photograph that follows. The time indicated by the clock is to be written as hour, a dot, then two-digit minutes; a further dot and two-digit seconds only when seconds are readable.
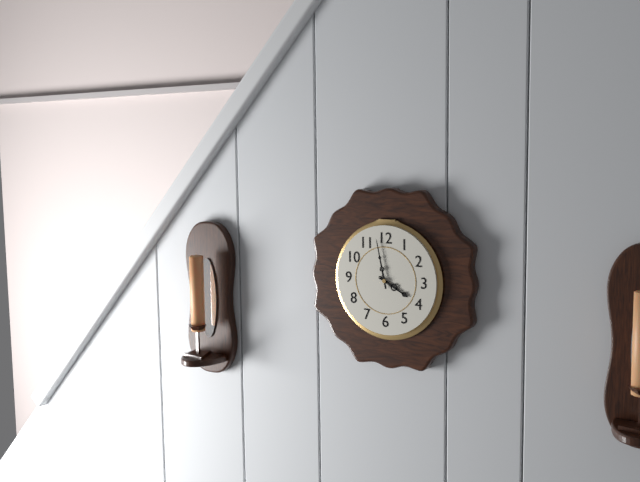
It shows 3.58
